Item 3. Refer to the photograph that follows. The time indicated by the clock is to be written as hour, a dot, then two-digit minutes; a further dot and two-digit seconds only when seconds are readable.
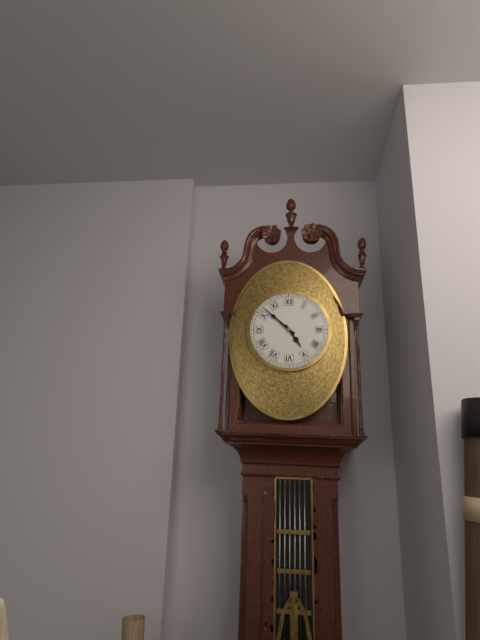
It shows 4.52
